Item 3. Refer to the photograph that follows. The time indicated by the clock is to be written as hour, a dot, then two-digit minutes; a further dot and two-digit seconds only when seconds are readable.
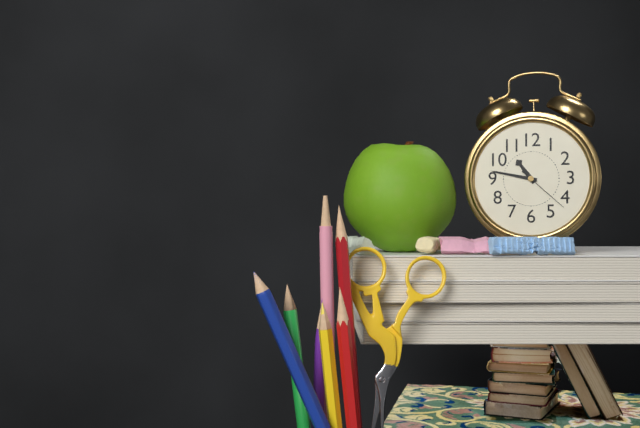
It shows 10.47.22
